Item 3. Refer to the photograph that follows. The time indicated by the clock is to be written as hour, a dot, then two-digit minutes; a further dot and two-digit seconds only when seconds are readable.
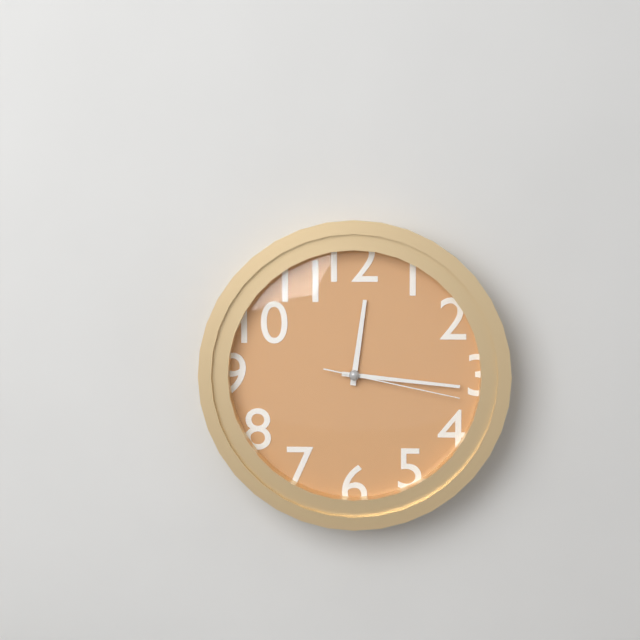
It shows 12.16.17
